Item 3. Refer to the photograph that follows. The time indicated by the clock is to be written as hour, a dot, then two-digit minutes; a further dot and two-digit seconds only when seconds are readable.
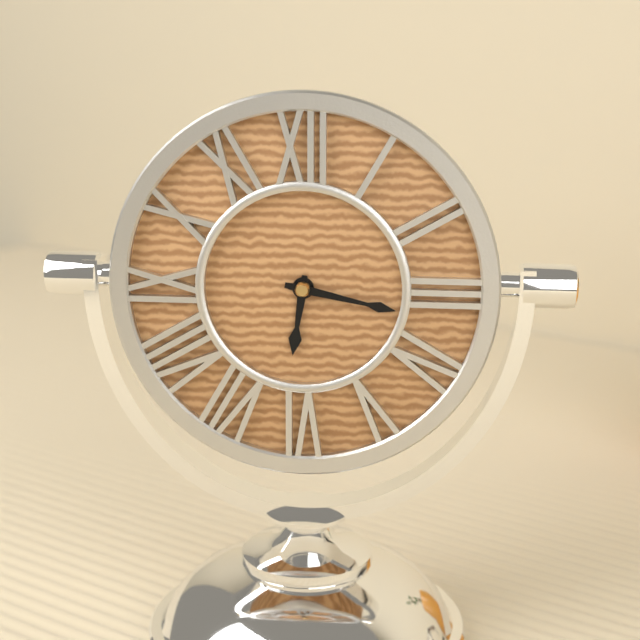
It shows 6.17
